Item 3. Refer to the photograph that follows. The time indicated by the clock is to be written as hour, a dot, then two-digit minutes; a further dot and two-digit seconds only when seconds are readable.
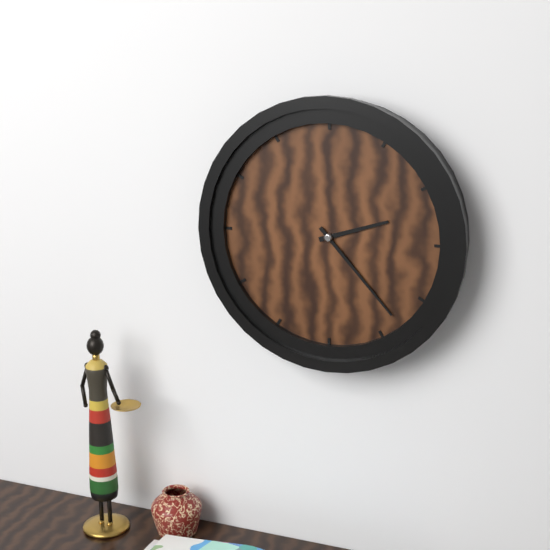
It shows 2.23
